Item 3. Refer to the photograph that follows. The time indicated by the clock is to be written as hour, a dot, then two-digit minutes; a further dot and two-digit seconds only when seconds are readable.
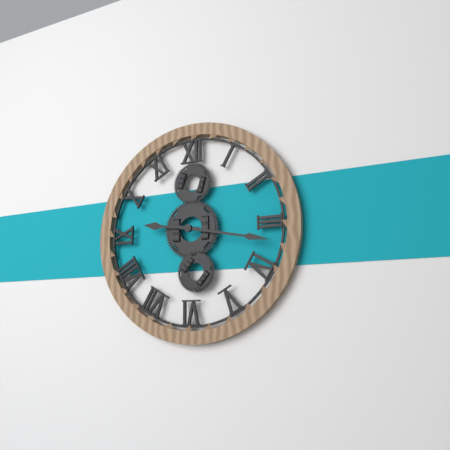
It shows 9.17
